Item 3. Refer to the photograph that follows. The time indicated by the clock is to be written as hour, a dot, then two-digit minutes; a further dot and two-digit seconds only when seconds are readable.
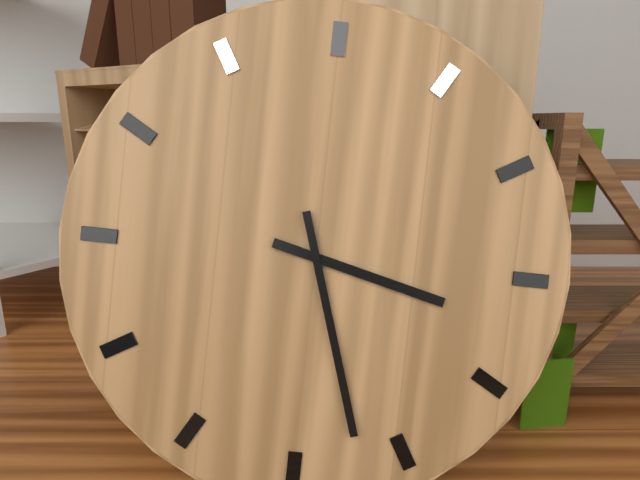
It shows 3.27
